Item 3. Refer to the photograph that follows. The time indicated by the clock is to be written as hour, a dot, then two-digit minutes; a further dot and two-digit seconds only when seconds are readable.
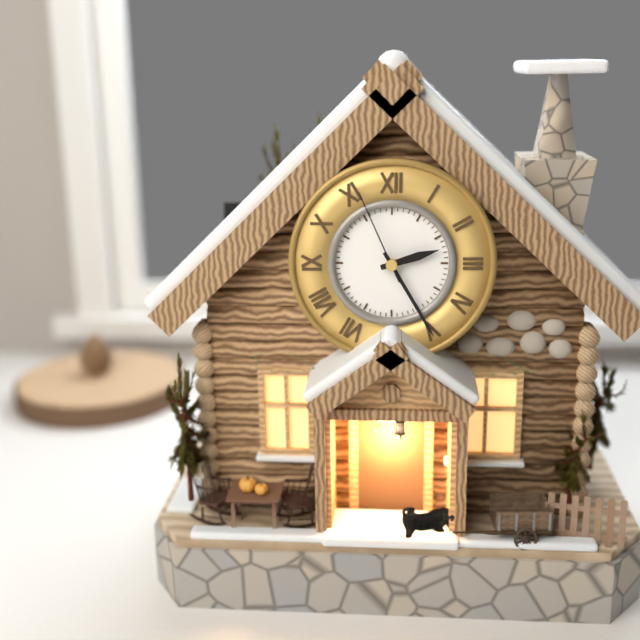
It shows 2.25.56
